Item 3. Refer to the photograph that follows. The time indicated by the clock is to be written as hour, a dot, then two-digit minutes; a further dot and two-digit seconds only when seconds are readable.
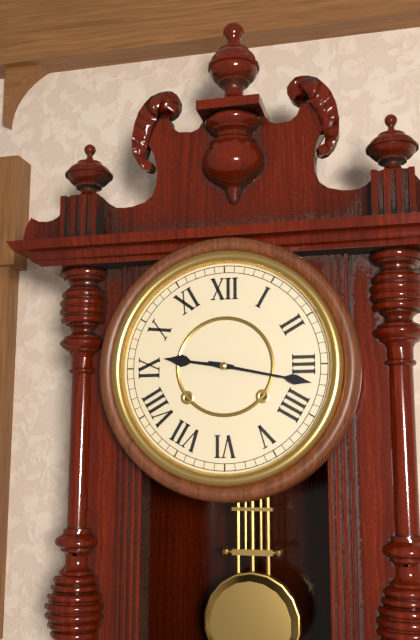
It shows 9.17
